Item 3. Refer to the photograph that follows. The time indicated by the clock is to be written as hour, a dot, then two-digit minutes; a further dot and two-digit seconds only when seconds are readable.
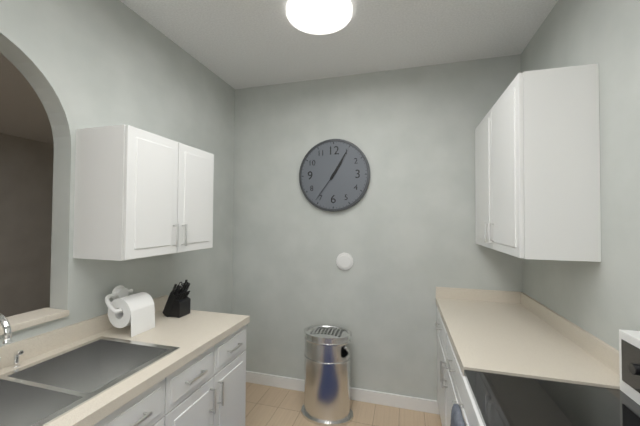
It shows 1.05
